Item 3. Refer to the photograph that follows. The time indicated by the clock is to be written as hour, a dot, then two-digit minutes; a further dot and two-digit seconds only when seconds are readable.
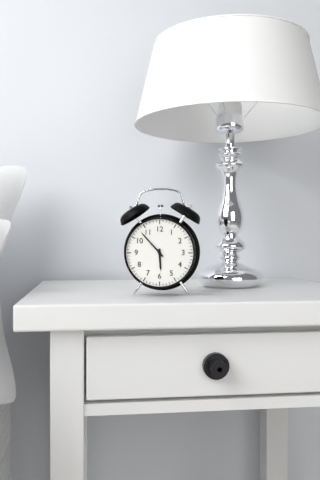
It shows 5.53
